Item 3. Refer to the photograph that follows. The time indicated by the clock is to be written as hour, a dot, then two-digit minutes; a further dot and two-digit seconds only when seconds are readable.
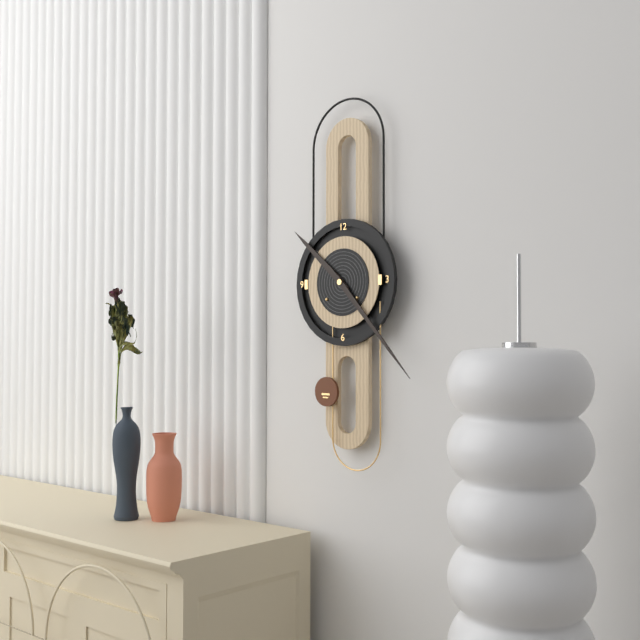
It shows 10.23
